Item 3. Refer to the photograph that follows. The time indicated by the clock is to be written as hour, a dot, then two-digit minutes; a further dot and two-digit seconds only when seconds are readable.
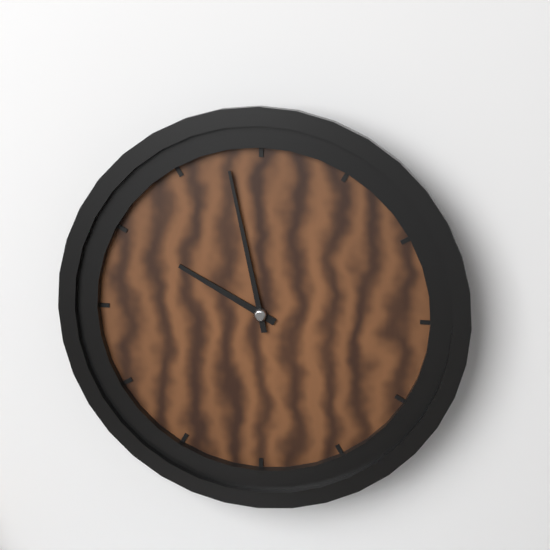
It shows 9.58
